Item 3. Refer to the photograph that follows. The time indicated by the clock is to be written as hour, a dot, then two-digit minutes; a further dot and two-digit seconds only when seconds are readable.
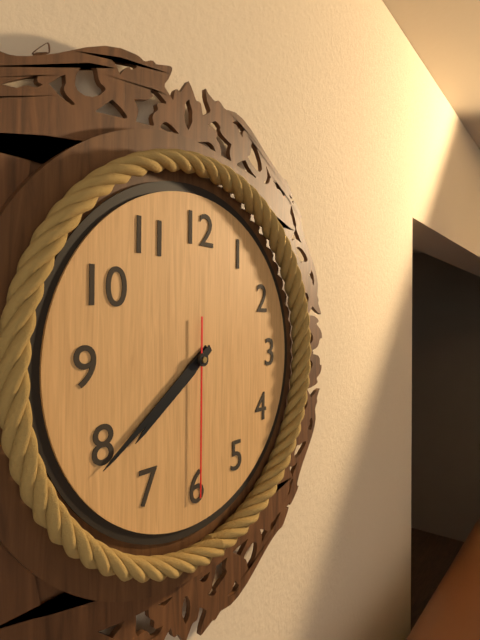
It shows 7.39.30
